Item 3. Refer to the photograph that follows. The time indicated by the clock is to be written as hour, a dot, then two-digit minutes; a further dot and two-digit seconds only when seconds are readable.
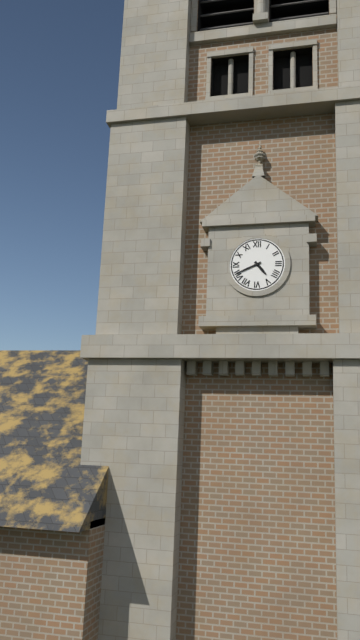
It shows 4.41
